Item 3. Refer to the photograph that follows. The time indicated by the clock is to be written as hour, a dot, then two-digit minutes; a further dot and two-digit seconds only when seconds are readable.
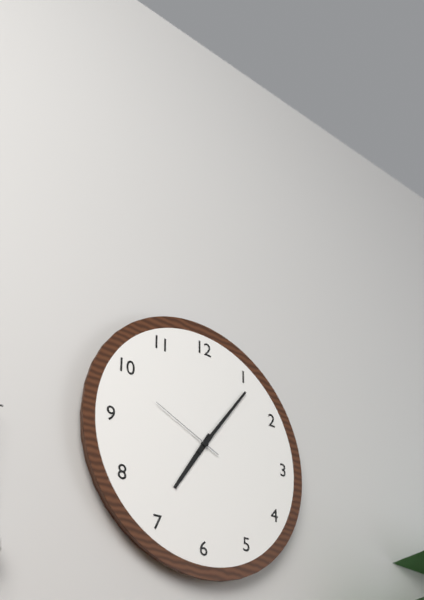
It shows 7.06.49
